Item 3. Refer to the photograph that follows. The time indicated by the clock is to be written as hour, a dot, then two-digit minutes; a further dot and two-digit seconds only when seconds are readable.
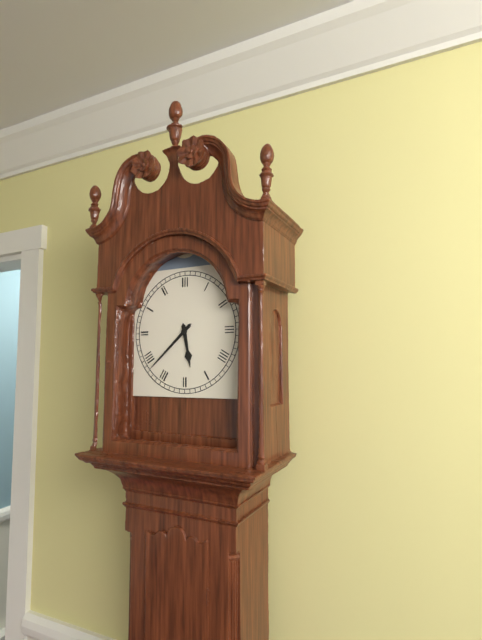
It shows 5.38
